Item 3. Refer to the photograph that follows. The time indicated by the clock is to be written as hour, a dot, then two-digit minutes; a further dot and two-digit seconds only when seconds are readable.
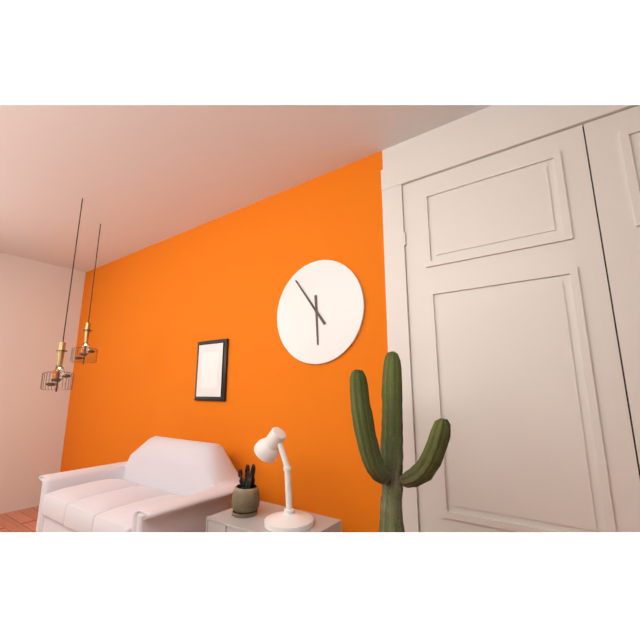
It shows 5.54
